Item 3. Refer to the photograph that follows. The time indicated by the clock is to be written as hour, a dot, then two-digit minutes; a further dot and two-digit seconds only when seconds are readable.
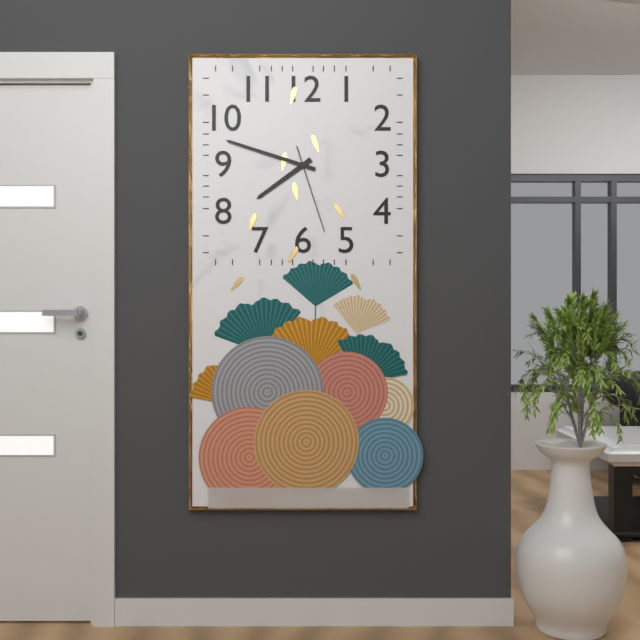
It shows 7.48.27
